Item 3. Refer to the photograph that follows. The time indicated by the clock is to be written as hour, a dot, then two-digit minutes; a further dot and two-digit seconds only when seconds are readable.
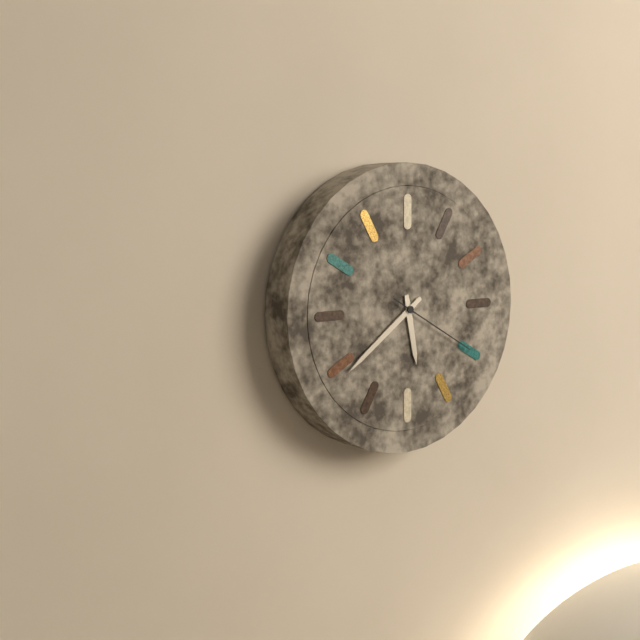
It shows 5.39.20
